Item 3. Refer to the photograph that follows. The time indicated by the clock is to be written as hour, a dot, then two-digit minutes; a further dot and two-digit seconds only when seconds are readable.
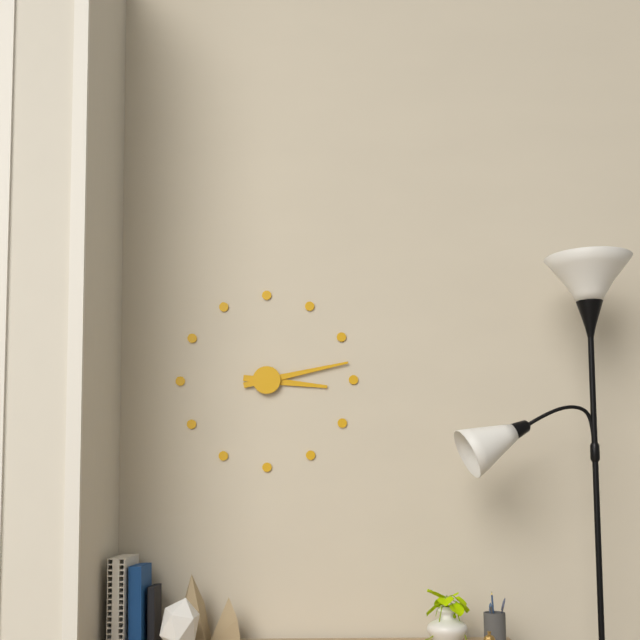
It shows 3.13
